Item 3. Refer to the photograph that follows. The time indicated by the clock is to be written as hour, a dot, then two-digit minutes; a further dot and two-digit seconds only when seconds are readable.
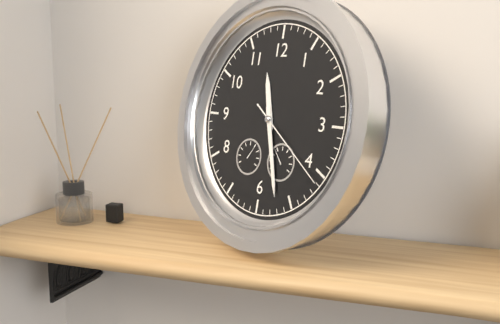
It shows 11.27.21
